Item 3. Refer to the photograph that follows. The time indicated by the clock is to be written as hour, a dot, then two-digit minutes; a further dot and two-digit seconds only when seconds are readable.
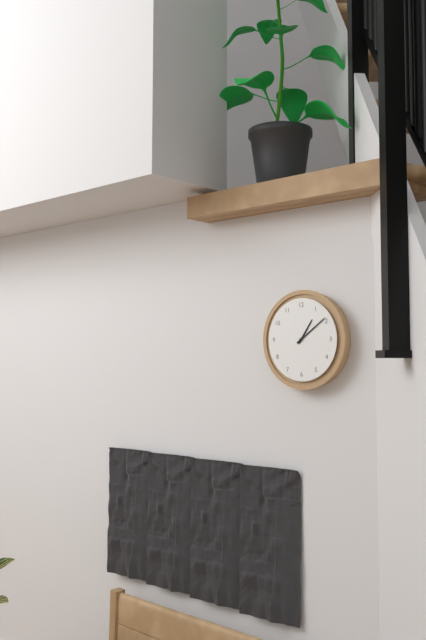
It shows 1.09
